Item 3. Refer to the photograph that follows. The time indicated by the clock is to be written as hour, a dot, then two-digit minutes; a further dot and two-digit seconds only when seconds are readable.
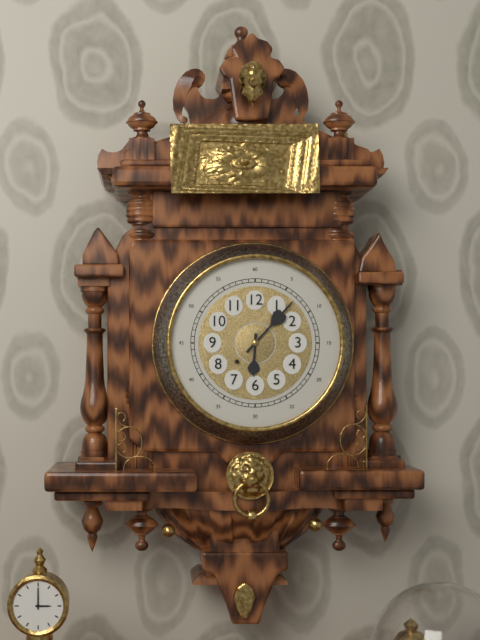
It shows 6.07
